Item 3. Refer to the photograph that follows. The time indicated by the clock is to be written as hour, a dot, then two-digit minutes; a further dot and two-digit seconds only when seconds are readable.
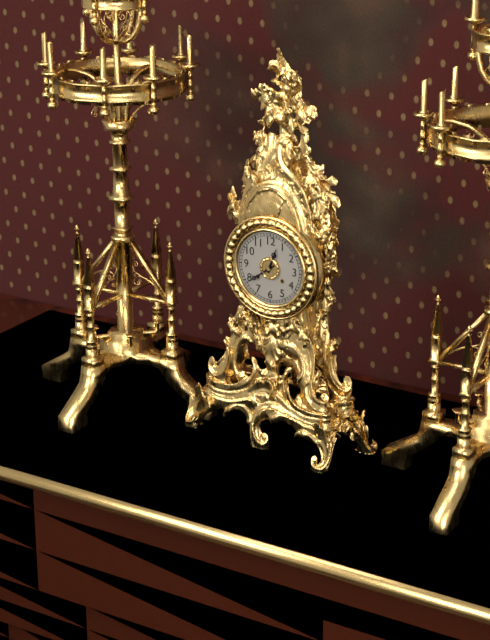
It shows 12.39
